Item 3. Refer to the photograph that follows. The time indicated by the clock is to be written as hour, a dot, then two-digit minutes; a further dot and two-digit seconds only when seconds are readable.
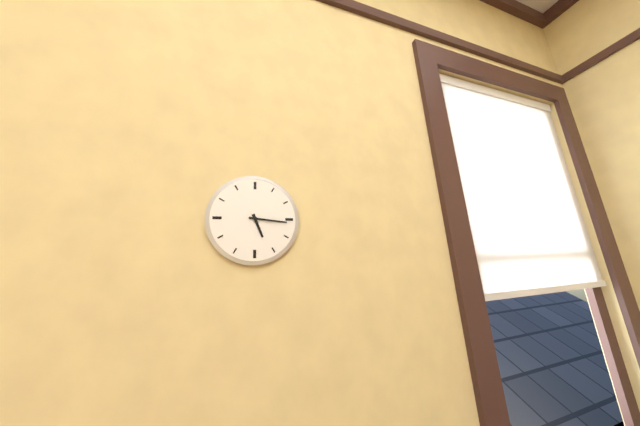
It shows 5.16
